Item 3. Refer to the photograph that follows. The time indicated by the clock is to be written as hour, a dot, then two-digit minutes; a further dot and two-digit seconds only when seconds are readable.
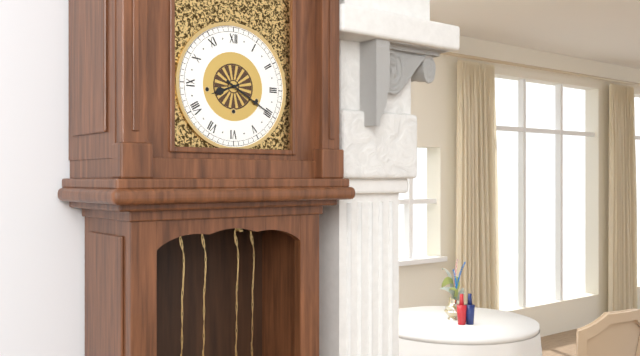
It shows 8.20
